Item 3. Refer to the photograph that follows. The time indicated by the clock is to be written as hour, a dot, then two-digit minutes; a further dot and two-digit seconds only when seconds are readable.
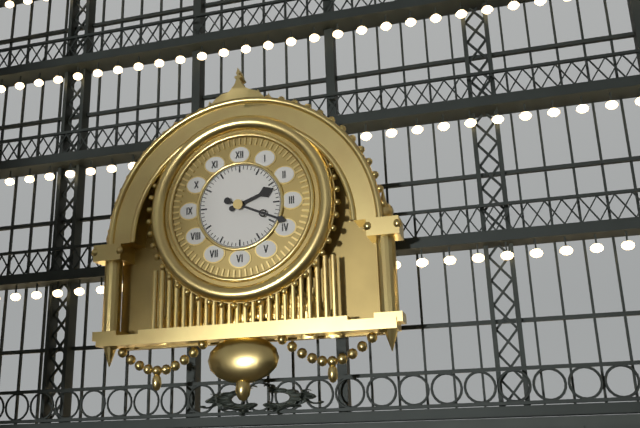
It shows 2.19
